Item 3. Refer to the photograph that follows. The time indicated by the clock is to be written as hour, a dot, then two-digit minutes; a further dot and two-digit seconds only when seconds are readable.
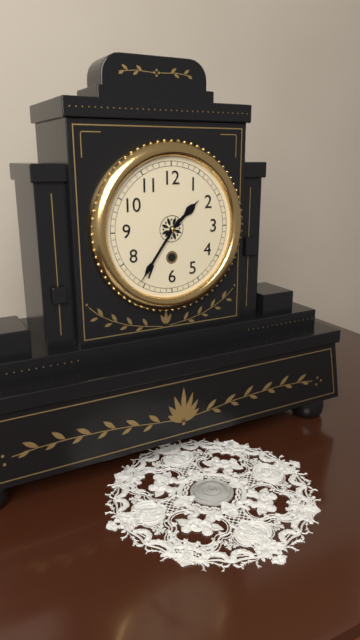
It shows 1.36
